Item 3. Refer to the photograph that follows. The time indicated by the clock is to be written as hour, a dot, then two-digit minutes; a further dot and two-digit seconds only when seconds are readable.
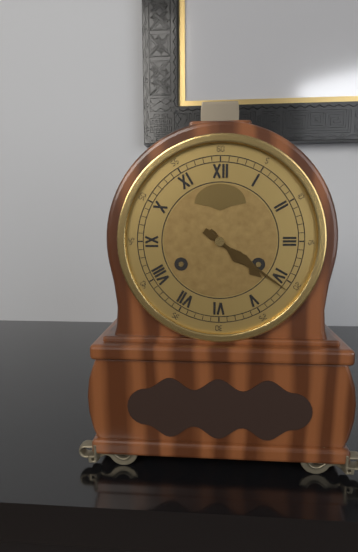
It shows 4.21
